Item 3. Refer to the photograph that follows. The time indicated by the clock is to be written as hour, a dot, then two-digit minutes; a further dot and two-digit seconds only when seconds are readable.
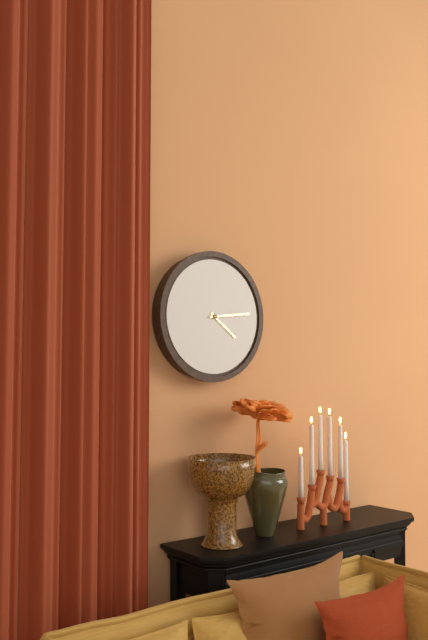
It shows 4.14
